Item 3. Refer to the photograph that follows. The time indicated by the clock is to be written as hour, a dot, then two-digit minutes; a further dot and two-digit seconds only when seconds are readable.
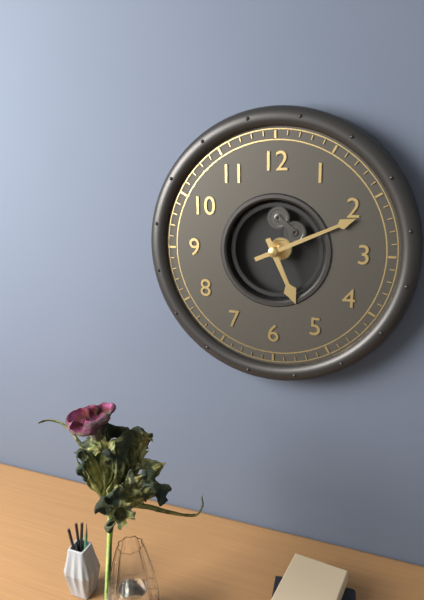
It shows 5.11
